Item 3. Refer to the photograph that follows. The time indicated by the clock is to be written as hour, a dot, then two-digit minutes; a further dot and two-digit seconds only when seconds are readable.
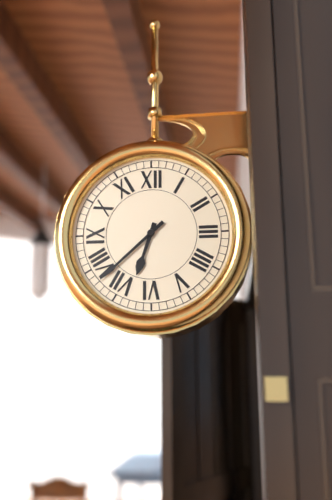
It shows 6.38
